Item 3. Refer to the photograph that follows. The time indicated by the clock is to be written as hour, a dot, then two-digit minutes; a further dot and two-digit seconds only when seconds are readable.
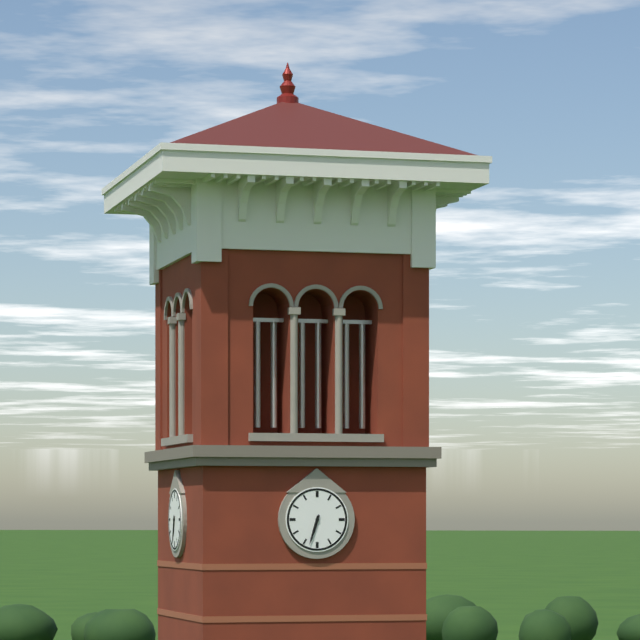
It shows 6.33
